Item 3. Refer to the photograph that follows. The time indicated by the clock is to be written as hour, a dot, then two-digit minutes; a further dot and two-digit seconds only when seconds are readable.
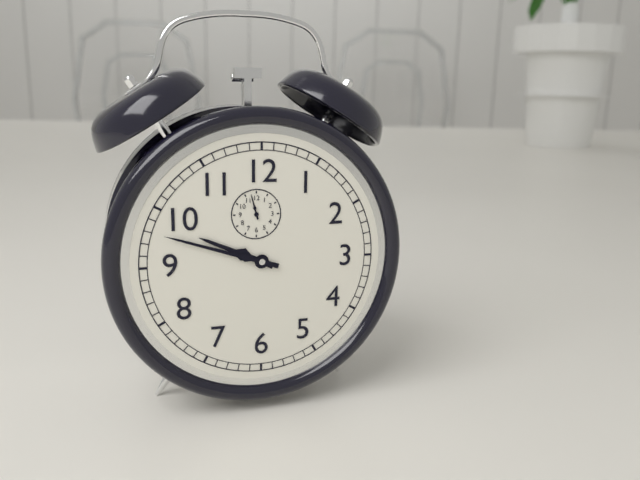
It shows 9.48
